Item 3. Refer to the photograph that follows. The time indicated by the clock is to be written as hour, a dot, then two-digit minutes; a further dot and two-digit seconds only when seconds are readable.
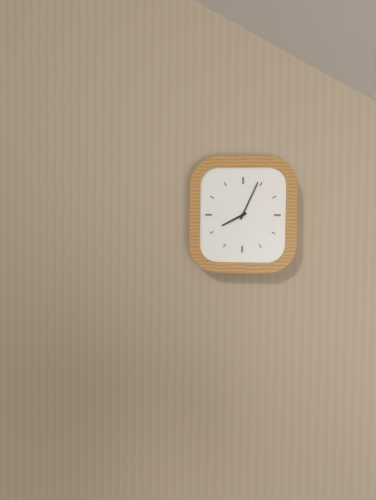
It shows 8.04
